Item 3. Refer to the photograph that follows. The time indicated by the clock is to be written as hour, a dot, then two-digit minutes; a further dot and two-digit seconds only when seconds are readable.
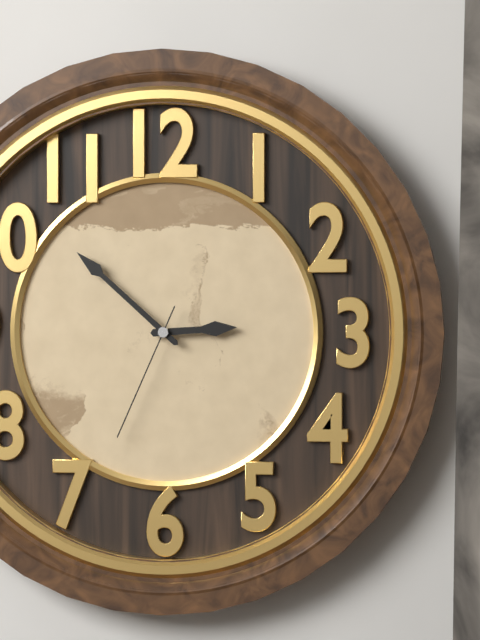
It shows 2.52.34
